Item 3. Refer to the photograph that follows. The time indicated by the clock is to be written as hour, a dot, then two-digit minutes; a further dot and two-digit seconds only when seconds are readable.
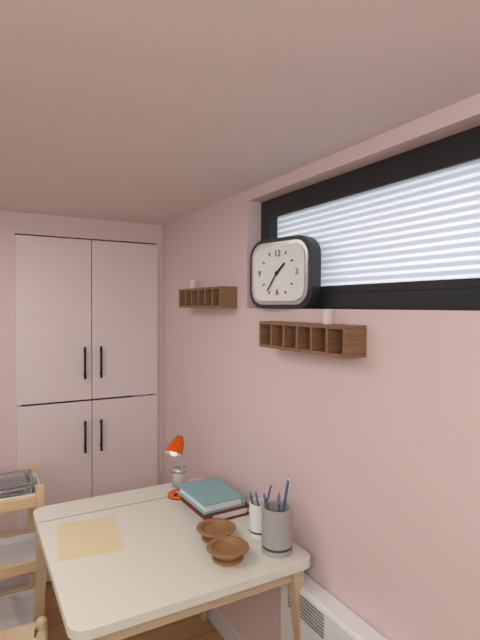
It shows 1.36
